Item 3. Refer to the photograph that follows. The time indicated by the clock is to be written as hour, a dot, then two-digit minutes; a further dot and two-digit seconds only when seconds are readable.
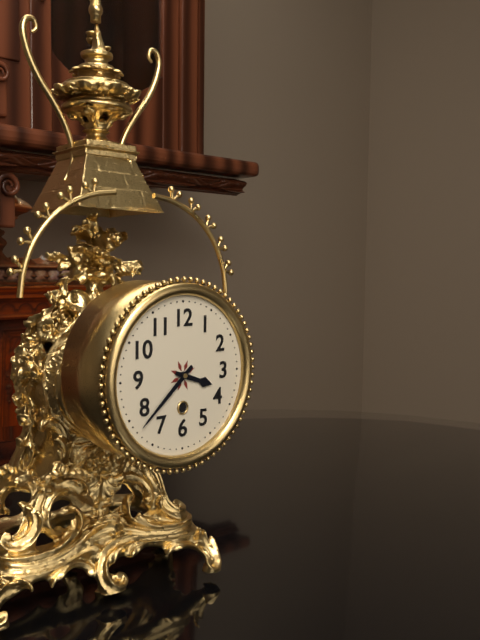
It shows 3.38
